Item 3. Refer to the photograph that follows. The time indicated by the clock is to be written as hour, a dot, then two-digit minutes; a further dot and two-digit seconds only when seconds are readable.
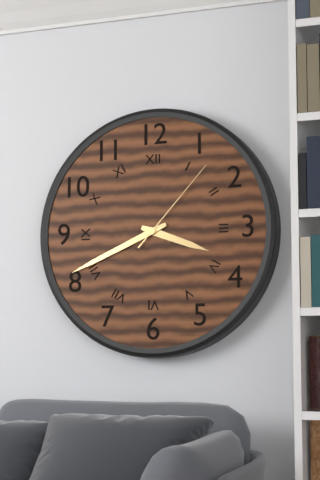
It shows 3.41.07
